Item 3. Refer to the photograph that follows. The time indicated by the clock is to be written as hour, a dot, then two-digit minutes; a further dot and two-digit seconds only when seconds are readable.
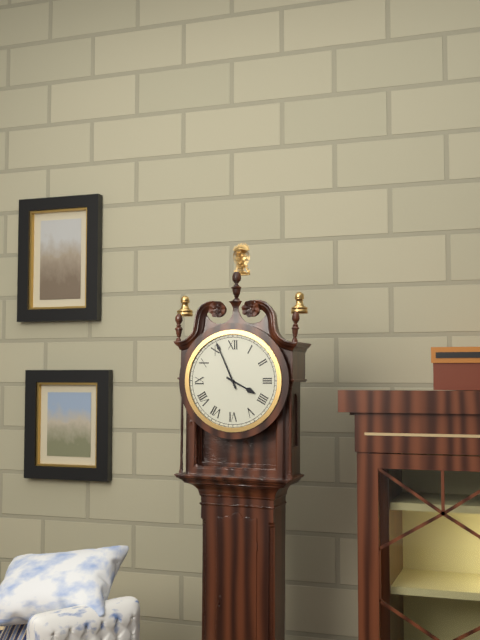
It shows 3.56
